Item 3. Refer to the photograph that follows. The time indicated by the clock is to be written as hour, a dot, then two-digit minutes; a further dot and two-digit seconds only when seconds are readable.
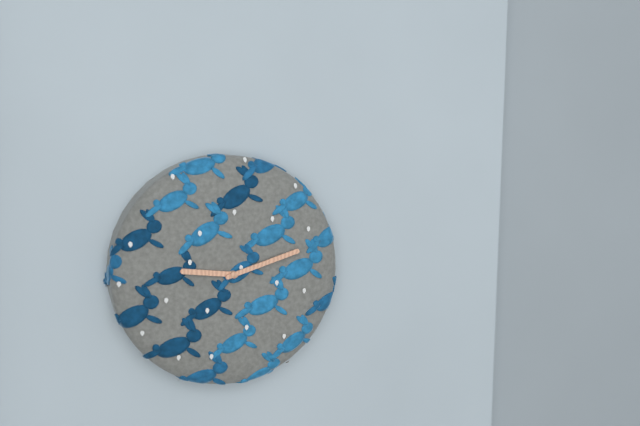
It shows 9.12
